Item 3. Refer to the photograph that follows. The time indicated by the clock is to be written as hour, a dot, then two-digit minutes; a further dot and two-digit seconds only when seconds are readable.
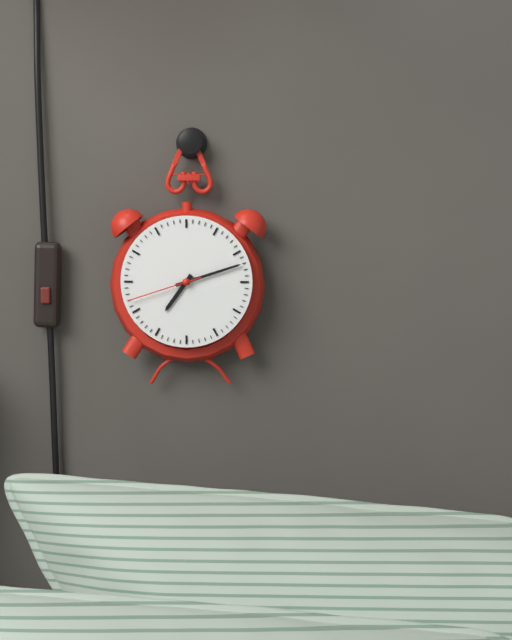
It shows 7.12.42
